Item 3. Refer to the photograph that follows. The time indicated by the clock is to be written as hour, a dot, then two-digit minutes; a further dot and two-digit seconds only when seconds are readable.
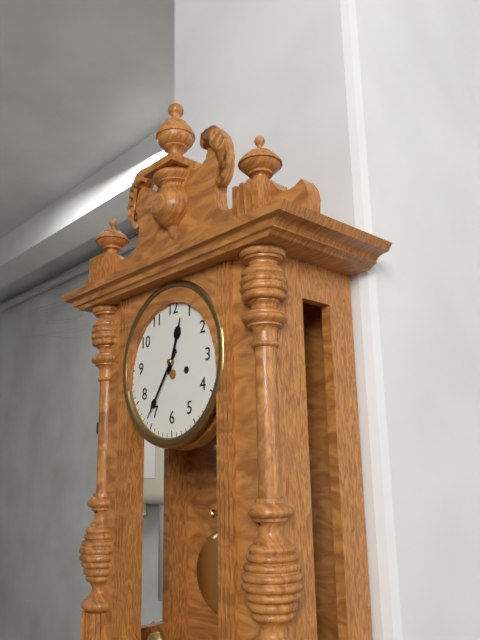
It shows 12.36
